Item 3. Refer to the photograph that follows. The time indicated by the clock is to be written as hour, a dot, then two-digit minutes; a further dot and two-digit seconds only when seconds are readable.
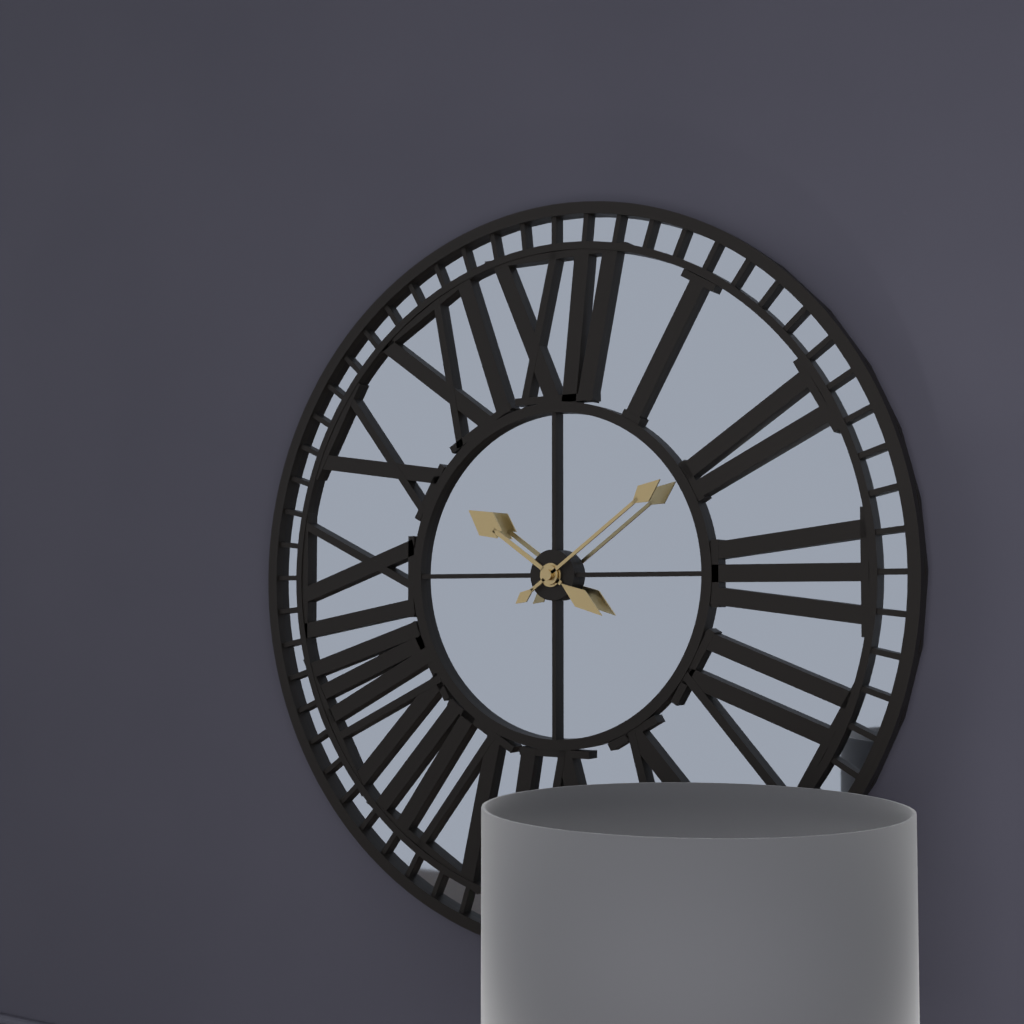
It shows 10.09
